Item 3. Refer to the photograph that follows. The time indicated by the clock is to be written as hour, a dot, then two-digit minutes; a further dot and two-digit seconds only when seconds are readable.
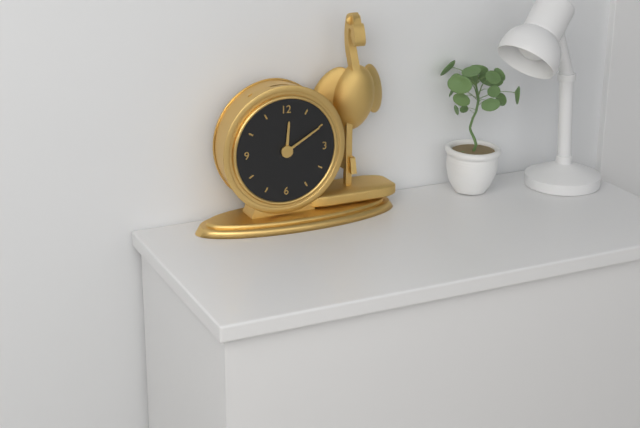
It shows 12.10
